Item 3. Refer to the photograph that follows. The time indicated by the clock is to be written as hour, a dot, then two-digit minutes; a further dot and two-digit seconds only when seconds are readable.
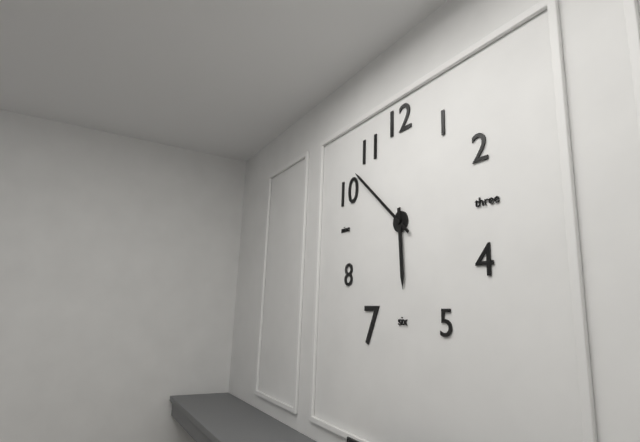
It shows 5.52
